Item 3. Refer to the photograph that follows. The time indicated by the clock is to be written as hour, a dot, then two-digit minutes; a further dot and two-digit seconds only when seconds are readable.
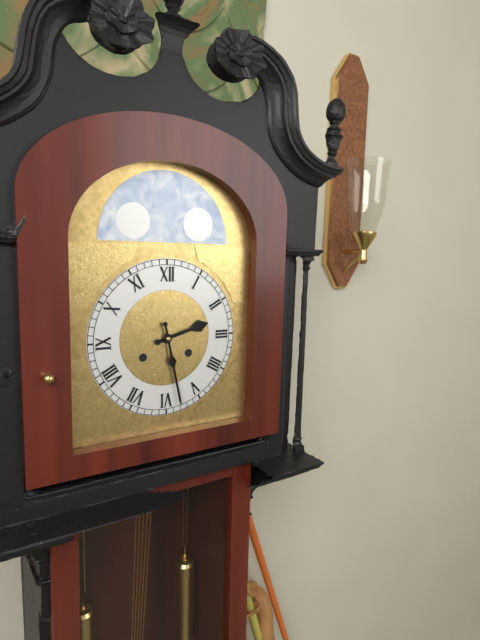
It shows 2.28
